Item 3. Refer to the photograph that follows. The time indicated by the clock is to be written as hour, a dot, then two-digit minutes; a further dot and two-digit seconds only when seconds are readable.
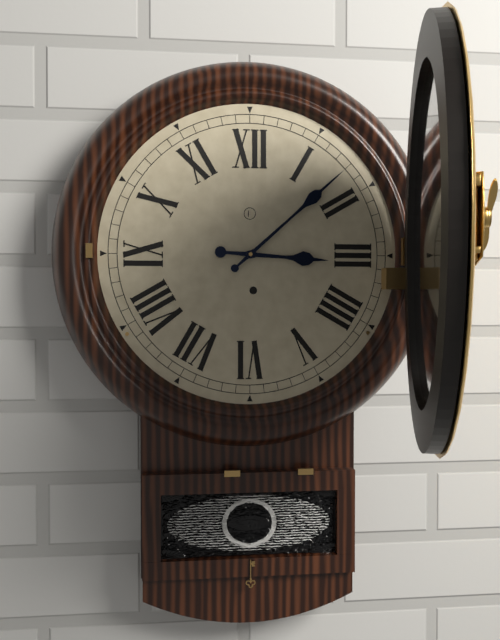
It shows 3.08
